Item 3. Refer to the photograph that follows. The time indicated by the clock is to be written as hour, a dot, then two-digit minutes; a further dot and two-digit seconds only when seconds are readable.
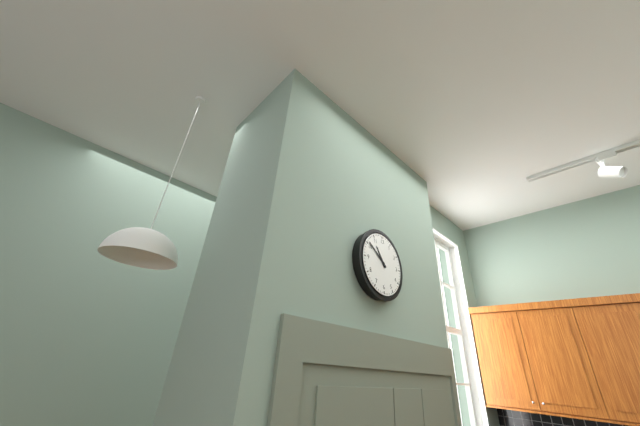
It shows 10.51
